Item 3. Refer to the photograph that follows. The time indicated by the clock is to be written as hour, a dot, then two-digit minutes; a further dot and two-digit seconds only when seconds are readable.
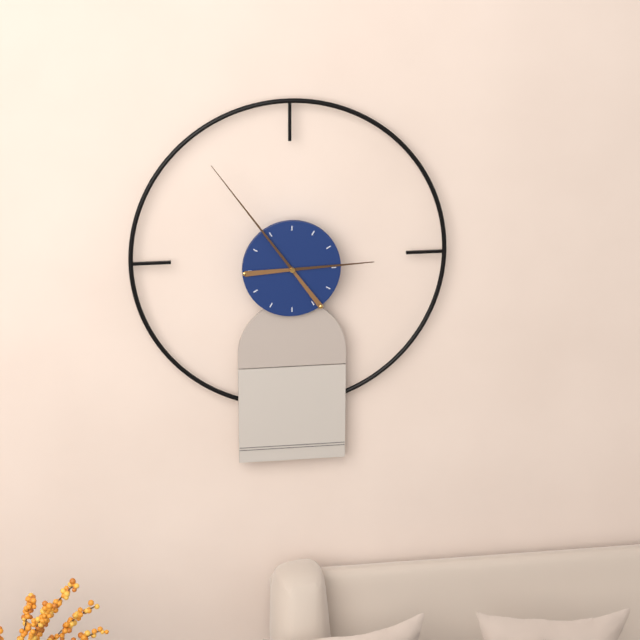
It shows 2.54
